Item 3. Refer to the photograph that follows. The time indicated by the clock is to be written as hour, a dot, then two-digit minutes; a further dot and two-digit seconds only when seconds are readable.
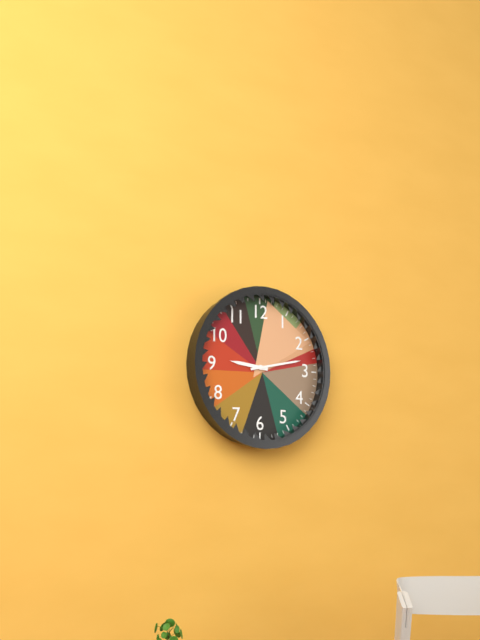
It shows 9.13
